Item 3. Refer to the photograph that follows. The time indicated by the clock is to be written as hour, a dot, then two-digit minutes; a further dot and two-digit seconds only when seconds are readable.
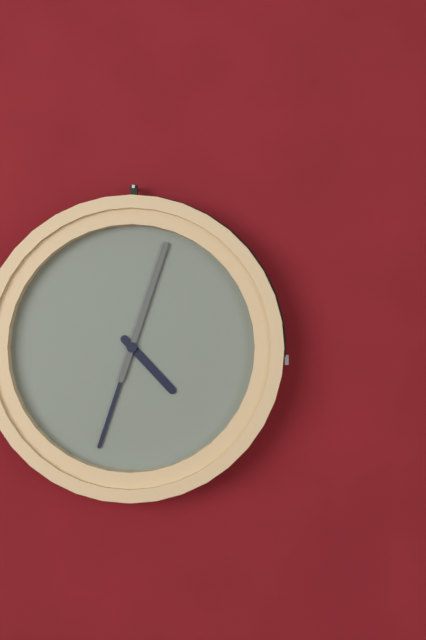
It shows 4.33.03
